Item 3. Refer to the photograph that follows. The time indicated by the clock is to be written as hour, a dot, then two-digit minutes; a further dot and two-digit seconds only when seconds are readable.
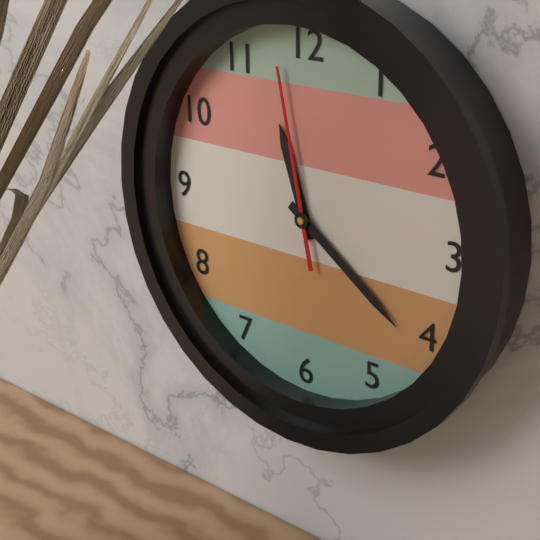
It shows 11.21.58
